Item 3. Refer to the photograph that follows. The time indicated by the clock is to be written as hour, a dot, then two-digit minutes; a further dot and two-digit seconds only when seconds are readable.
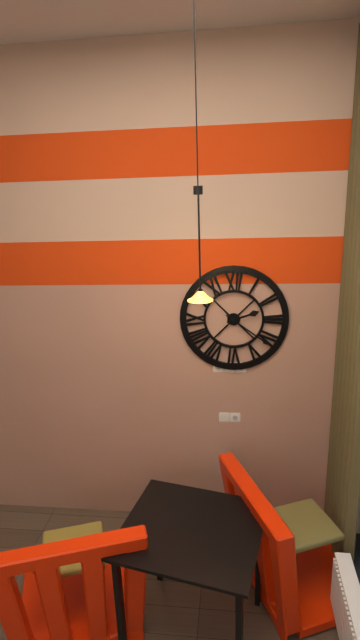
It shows 2.21
